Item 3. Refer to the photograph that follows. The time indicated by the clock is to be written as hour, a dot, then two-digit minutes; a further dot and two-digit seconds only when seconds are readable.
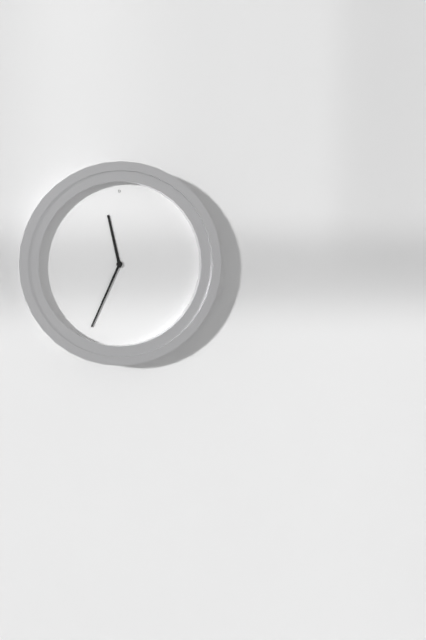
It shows 11.34
